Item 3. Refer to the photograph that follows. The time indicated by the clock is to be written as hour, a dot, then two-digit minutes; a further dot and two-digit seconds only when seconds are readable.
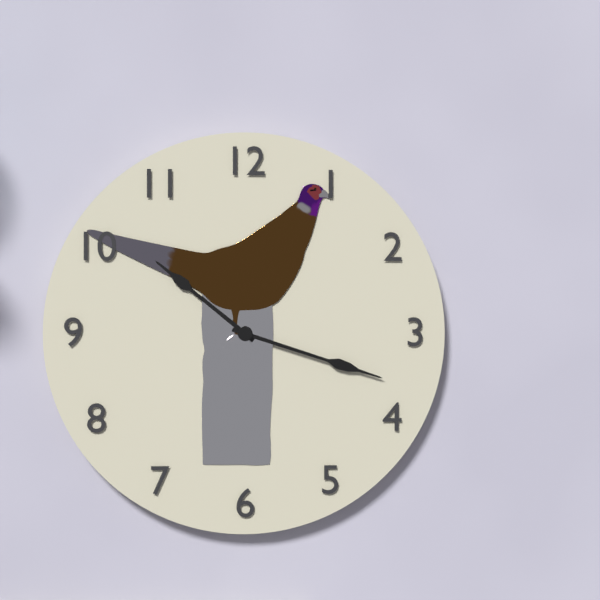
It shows 10.18
